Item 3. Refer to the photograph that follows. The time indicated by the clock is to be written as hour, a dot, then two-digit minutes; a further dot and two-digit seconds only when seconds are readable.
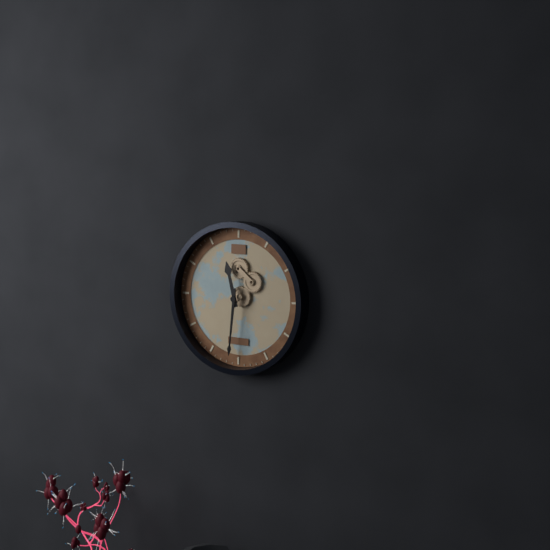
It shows 11.31
